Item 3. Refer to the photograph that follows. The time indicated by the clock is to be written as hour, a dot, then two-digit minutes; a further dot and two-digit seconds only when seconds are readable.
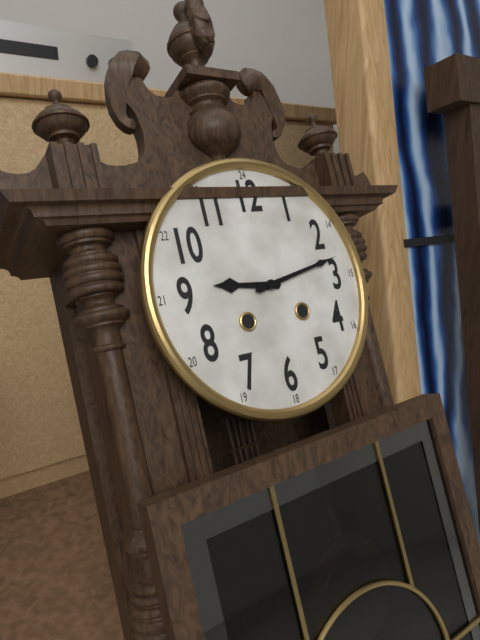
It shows 9.13
